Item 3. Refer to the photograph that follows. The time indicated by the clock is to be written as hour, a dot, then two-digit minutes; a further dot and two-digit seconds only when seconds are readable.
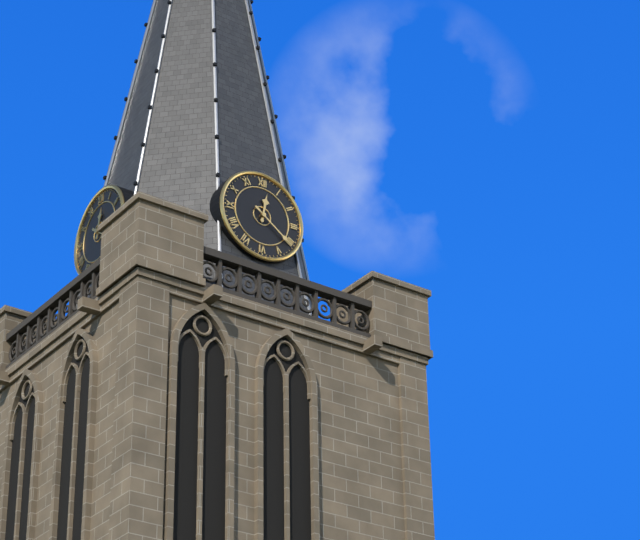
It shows 12.21
